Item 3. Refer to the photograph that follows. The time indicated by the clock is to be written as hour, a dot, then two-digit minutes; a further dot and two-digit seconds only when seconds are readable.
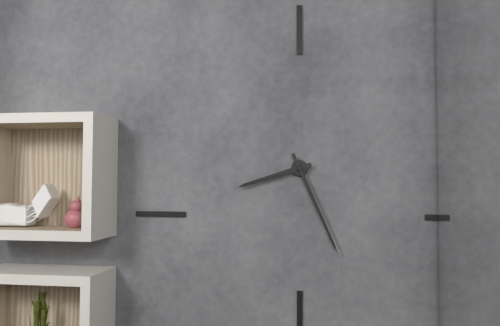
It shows 8.26
